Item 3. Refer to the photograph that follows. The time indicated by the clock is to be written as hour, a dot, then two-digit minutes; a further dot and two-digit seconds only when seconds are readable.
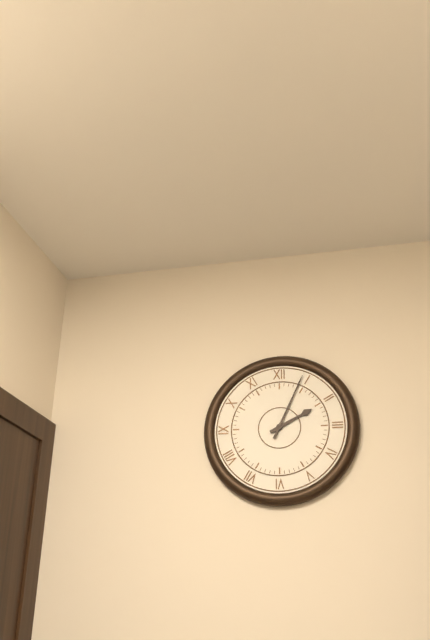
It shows 2.04
